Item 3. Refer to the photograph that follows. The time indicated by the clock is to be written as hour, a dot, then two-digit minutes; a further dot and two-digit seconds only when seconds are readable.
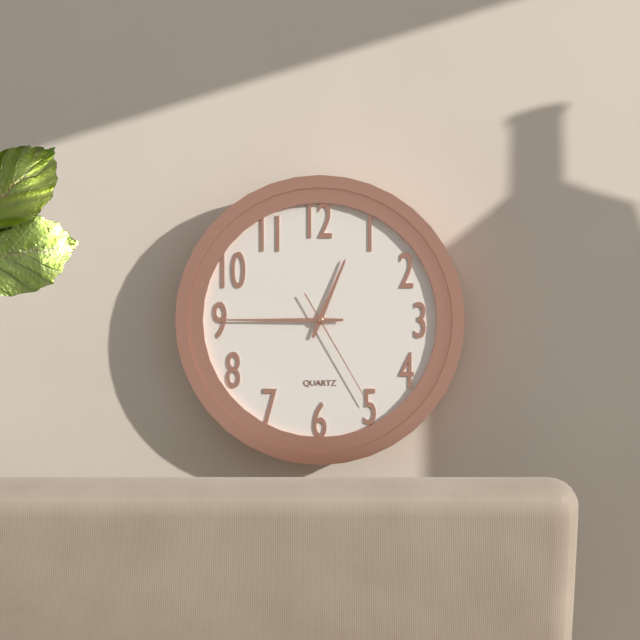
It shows 12.45.25
